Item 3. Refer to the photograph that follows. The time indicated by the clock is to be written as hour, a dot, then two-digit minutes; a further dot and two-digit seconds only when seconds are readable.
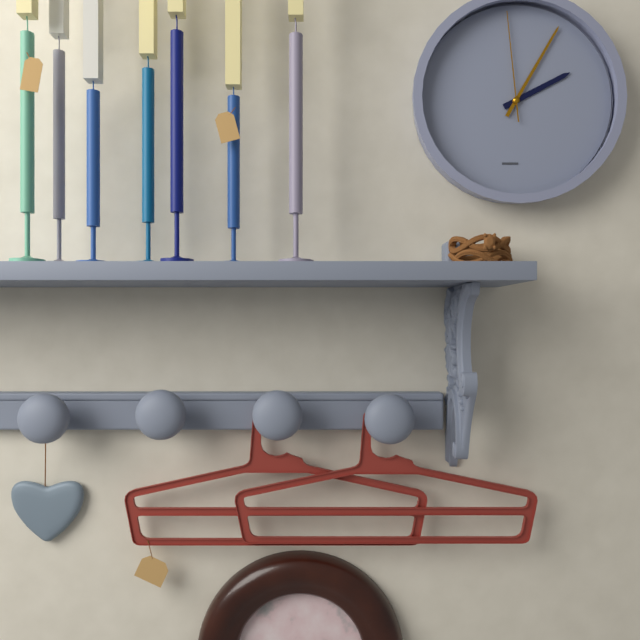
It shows 2.05.59
